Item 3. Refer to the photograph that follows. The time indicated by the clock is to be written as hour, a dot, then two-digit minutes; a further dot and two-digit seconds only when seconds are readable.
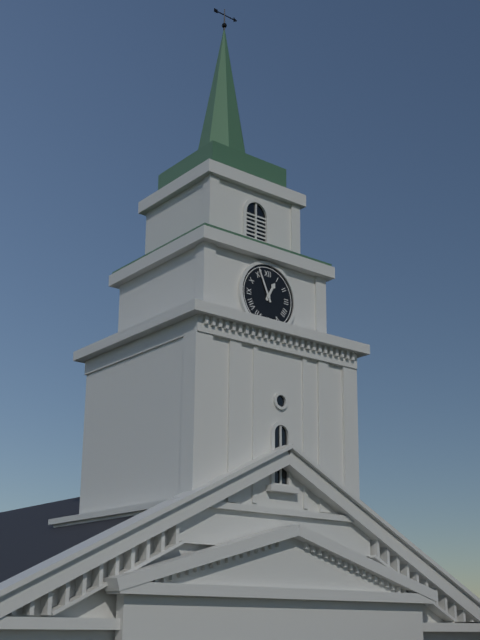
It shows 12.56
